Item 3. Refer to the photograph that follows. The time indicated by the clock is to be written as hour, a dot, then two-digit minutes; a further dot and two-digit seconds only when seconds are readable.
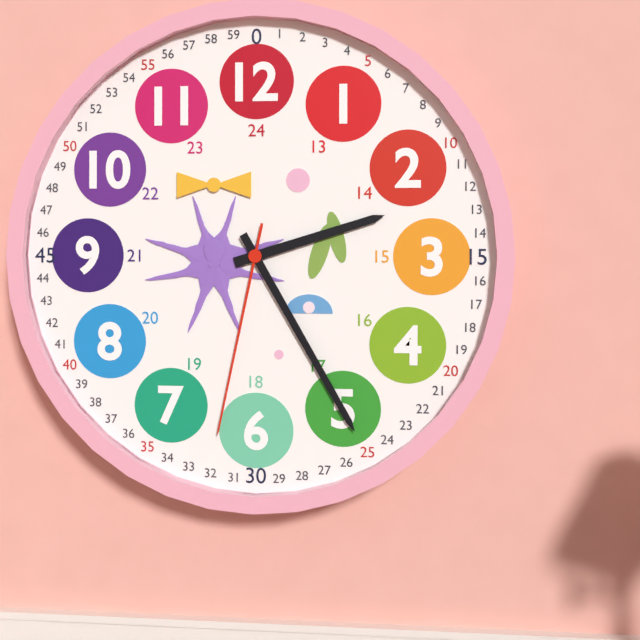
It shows 2.25.32
